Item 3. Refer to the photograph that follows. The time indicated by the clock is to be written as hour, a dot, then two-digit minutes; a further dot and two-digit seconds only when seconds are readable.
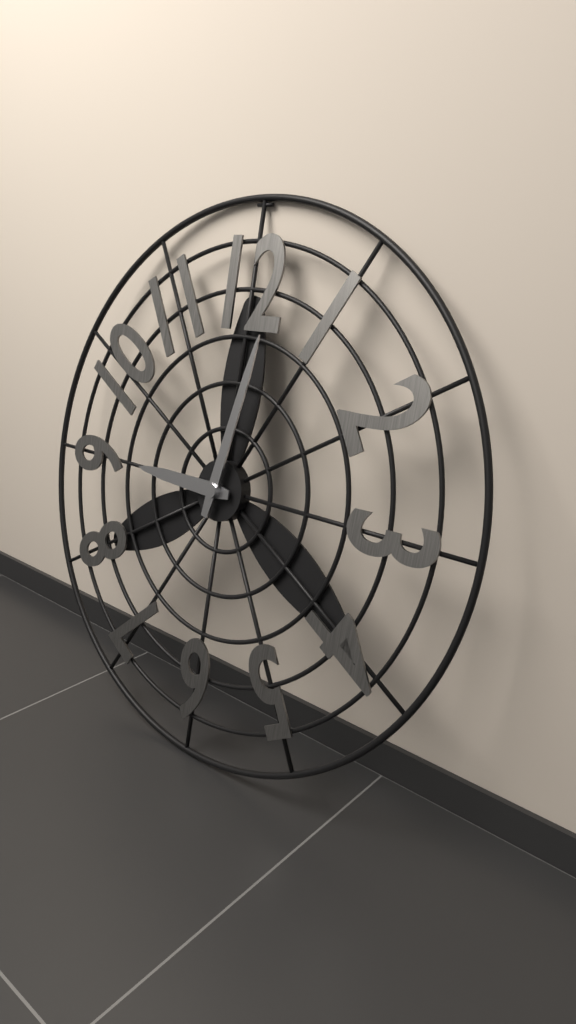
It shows 9.02
